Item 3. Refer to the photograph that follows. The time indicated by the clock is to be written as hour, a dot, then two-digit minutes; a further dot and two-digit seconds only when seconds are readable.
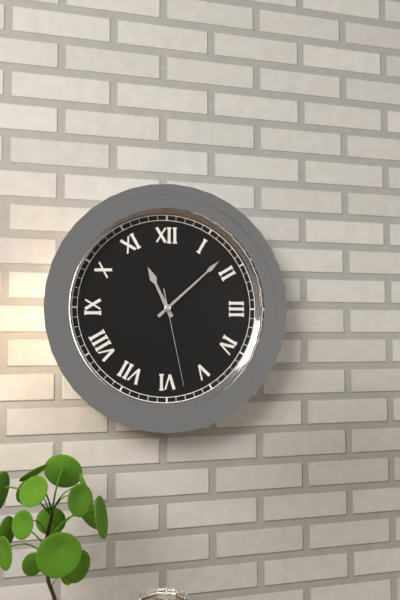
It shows 11.08.28
